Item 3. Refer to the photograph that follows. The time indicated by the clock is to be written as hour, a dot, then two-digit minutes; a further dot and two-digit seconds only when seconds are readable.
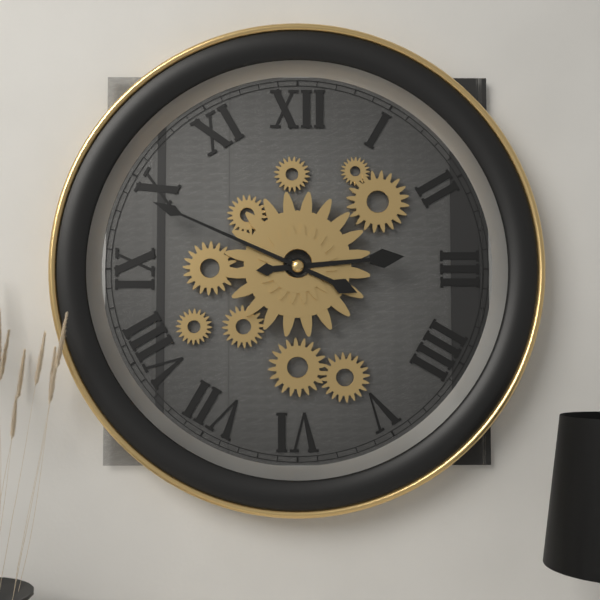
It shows 2.49
